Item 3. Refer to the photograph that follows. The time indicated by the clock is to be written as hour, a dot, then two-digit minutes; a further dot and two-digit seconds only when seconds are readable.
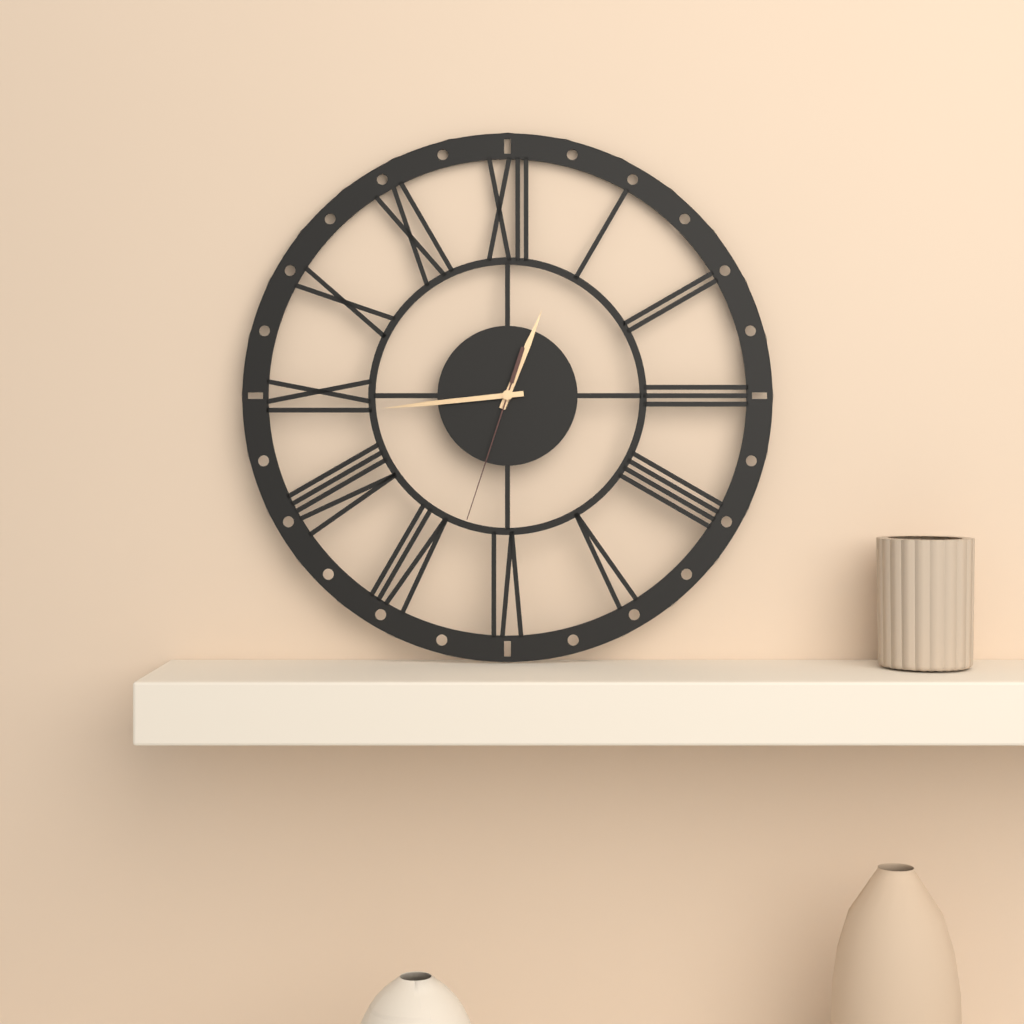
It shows 12.44.33
